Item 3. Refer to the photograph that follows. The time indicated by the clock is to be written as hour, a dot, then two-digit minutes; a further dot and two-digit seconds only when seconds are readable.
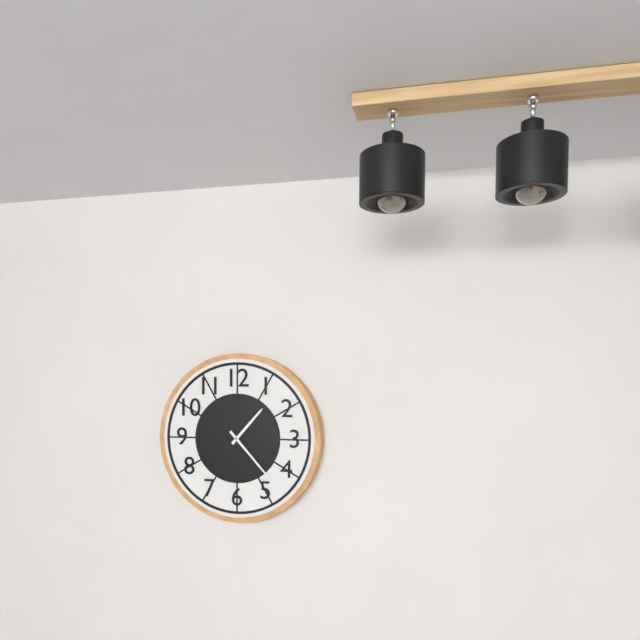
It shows 1.23
